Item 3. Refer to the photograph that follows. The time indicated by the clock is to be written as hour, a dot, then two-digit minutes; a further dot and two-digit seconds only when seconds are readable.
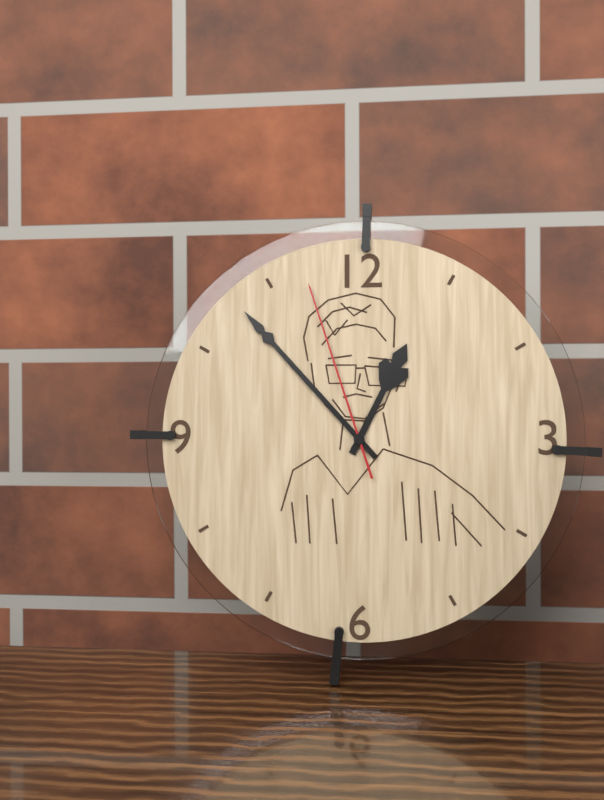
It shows 12.53.57
